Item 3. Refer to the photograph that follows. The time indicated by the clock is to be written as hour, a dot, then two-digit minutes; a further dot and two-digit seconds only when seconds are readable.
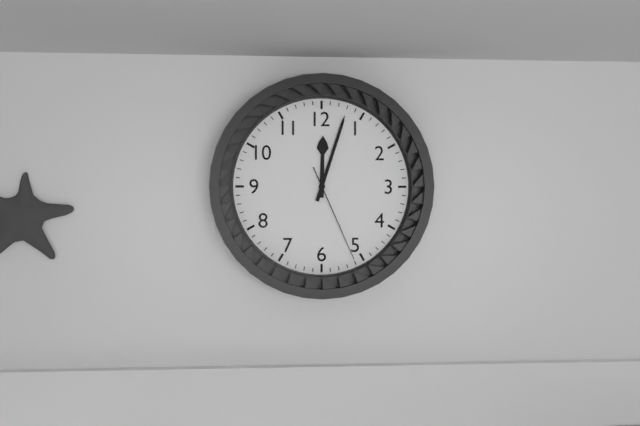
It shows 12.03.26
